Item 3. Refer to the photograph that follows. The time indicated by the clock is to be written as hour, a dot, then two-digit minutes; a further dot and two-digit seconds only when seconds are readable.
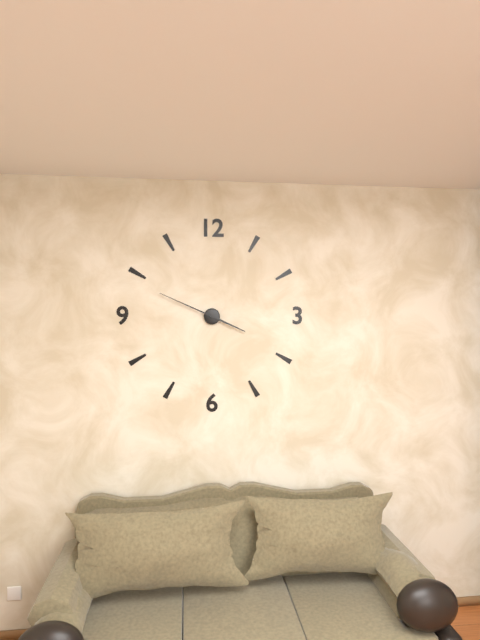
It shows 3.49
